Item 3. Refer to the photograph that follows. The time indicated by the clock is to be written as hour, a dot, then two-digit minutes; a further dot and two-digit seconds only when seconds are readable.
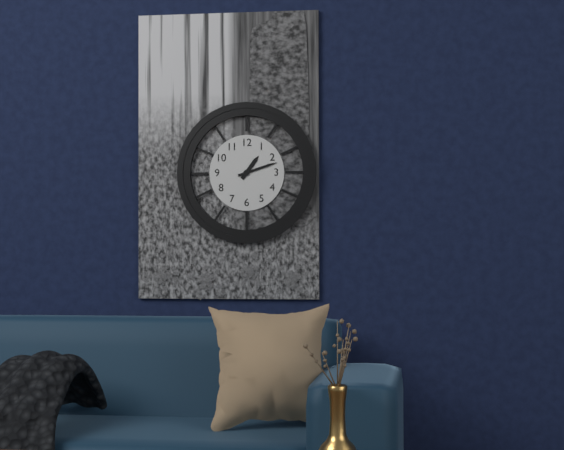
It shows 1.12
